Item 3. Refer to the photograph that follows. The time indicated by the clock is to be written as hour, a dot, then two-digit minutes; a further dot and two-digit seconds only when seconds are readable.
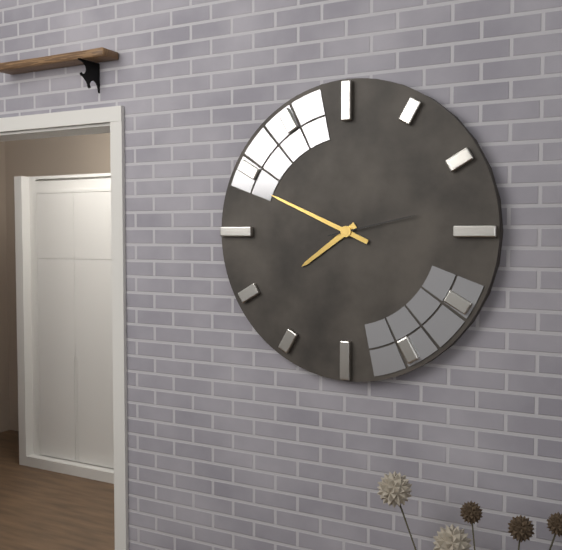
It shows 7.49.13
